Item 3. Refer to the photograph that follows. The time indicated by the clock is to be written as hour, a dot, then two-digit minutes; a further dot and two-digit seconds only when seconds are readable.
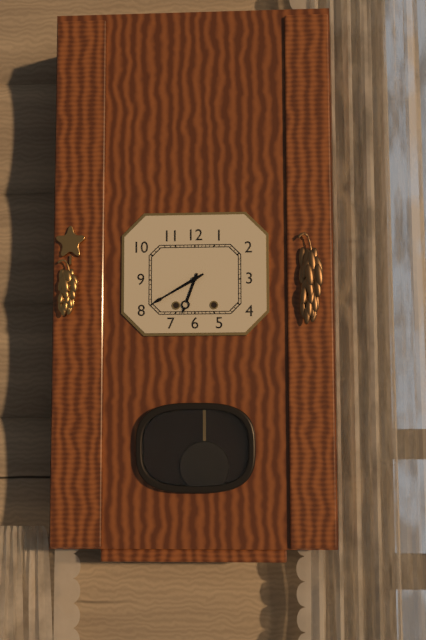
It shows 6.40
